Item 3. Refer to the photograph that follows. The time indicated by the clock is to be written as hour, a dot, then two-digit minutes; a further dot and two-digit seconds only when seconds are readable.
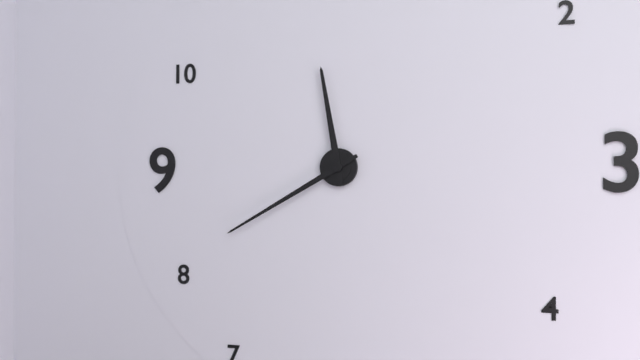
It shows 11.40
